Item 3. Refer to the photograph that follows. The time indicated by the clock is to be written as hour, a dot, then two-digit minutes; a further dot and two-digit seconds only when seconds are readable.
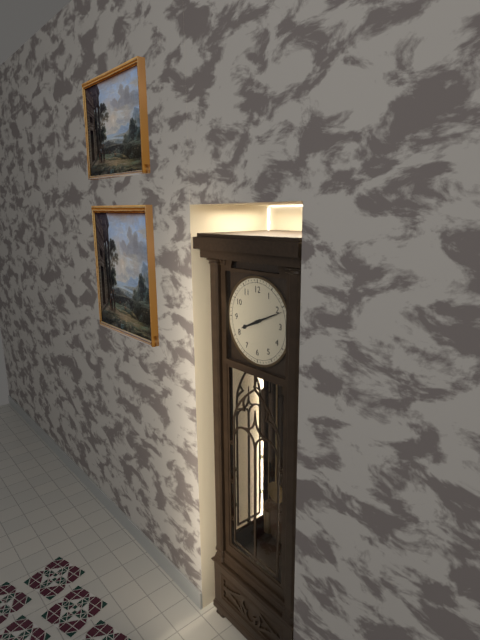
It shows 8.11
